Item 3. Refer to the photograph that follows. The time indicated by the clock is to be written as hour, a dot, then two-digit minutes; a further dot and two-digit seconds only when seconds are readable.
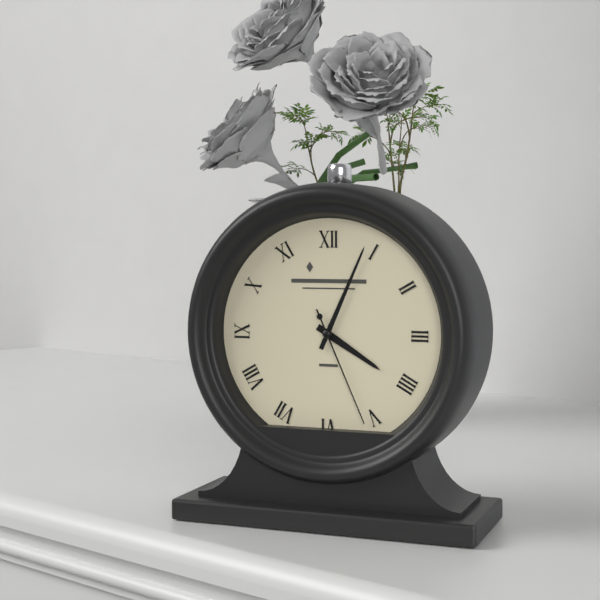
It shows 4.04.26
